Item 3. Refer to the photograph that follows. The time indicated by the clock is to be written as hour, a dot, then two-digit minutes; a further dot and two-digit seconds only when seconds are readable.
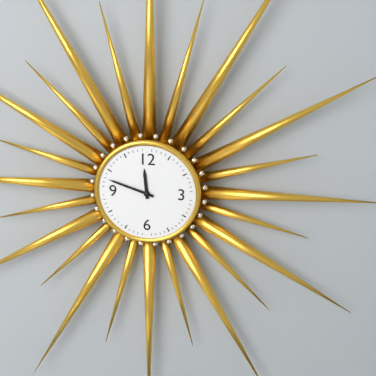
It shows 11.48
